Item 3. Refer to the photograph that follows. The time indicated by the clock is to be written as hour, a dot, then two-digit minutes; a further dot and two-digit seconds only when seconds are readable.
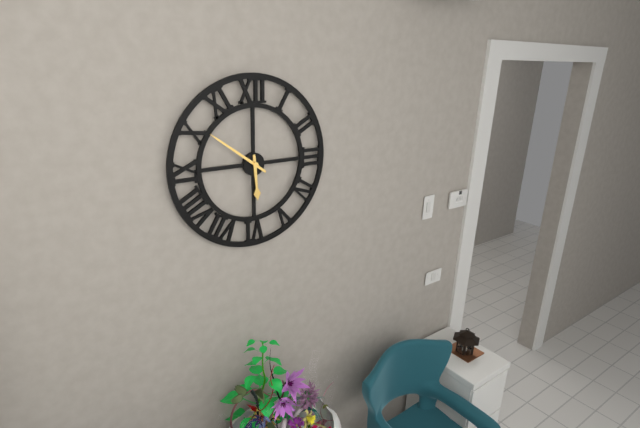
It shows 5.51
